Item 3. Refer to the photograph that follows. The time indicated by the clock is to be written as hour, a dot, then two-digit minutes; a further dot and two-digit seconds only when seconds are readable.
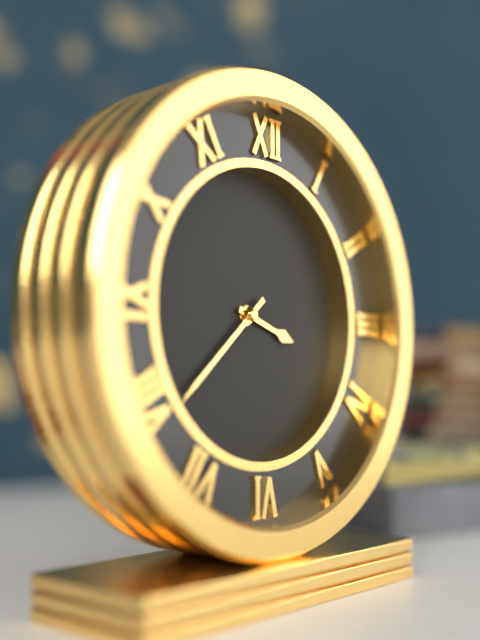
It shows 3.38
